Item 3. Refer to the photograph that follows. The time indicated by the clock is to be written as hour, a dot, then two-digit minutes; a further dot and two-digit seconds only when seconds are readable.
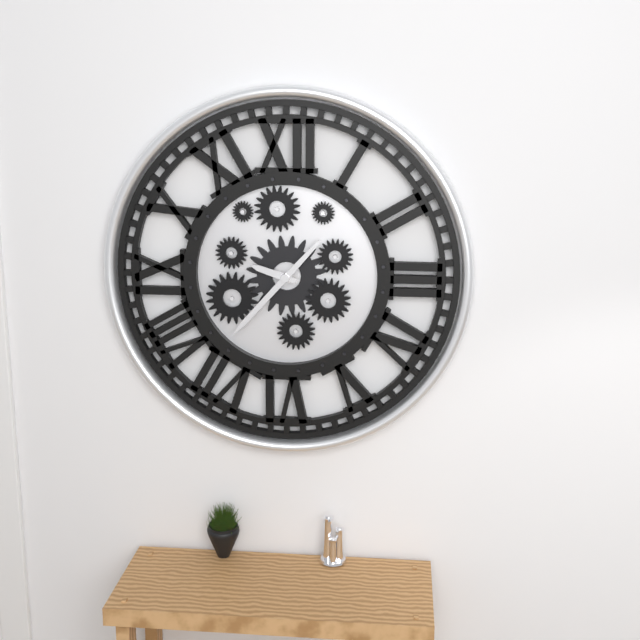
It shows 9.37
